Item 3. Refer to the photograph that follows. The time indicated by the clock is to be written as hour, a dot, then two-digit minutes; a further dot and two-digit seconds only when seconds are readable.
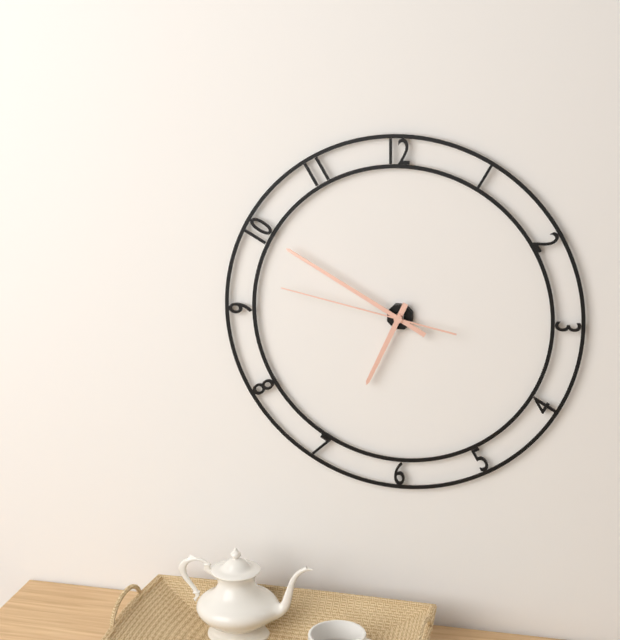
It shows 6.50.47
